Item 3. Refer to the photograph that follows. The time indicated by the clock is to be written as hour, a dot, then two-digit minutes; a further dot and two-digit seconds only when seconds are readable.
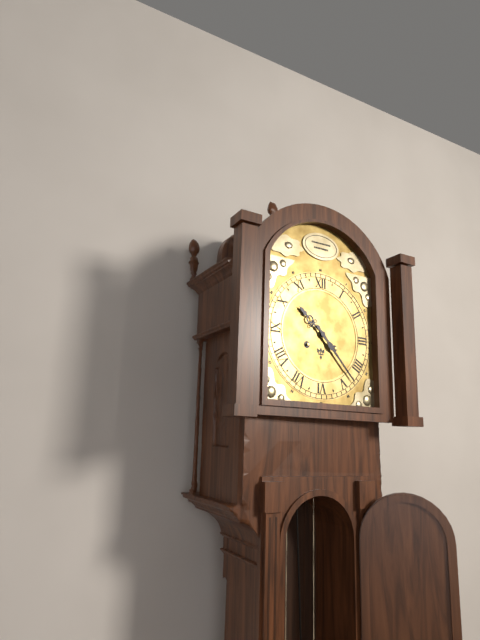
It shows 10.23
